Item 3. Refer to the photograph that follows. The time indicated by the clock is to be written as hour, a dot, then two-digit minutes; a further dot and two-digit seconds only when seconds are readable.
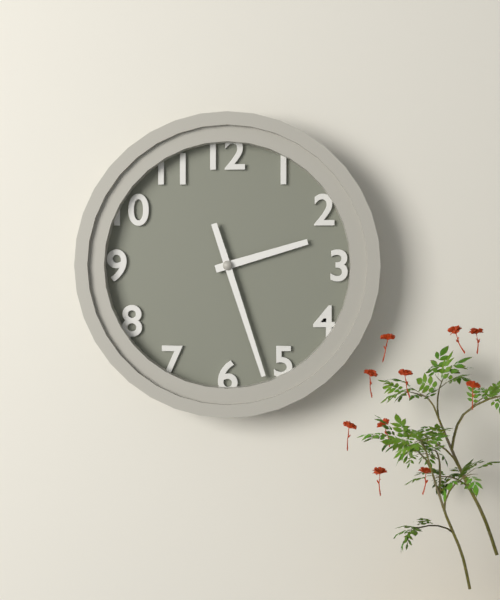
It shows 2.27
